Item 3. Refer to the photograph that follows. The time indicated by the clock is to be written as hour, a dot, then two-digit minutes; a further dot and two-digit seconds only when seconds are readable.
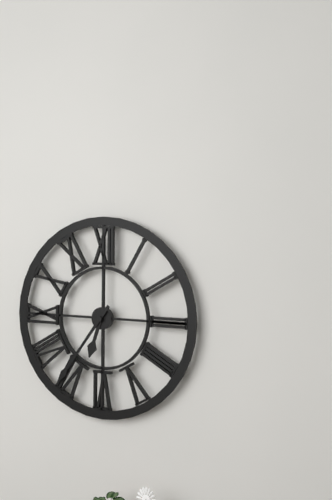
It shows 6.36
